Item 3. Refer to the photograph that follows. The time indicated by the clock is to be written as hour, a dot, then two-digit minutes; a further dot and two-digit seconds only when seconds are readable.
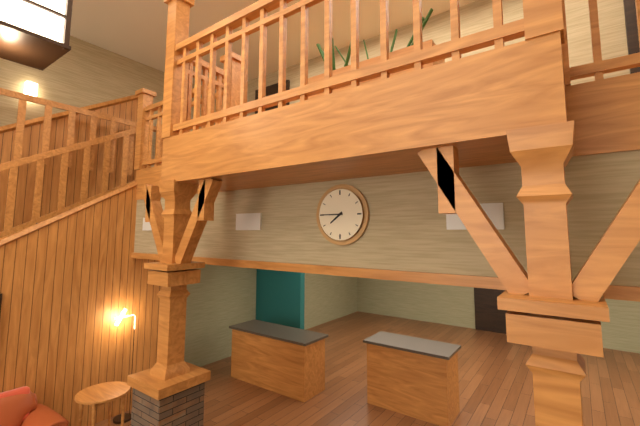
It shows 7.45
